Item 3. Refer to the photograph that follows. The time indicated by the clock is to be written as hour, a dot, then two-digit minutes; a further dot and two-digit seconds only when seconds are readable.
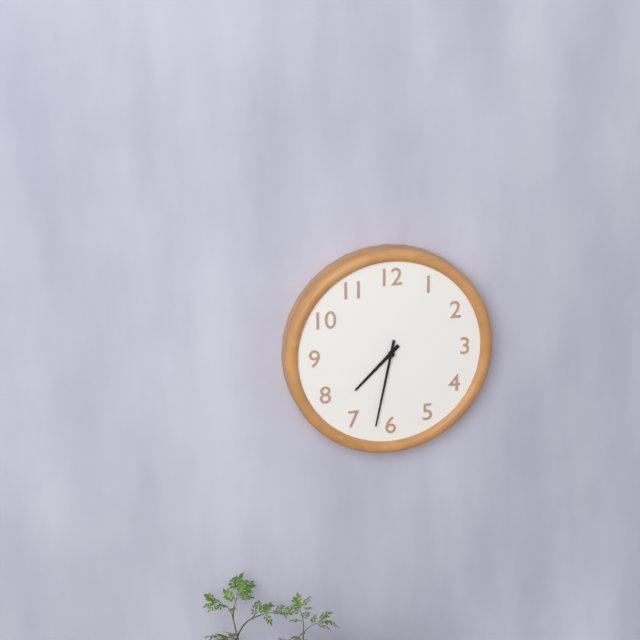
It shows 7.32
